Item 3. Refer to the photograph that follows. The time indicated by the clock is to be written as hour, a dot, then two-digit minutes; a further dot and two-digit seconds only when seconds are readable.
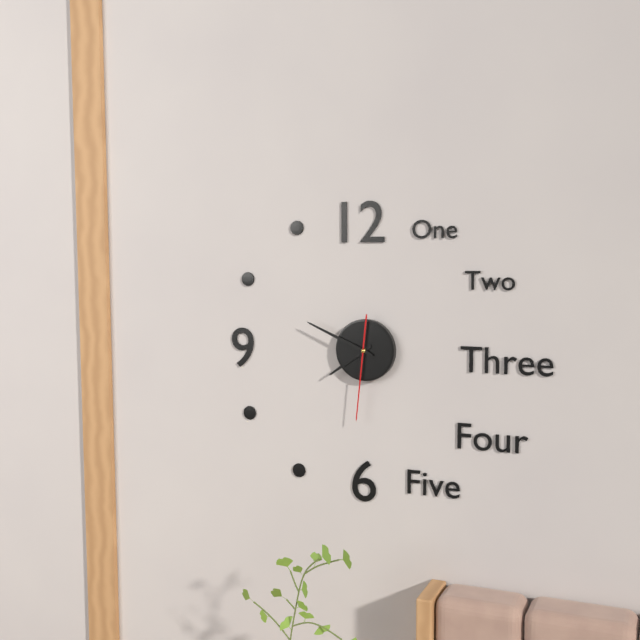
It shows 7.49.31
